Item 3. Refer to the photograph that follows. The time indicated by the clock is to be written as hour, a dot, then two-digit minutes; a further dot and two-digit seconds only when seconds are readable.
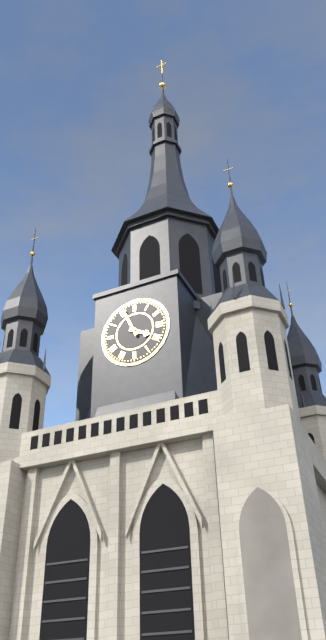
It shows 3.56
